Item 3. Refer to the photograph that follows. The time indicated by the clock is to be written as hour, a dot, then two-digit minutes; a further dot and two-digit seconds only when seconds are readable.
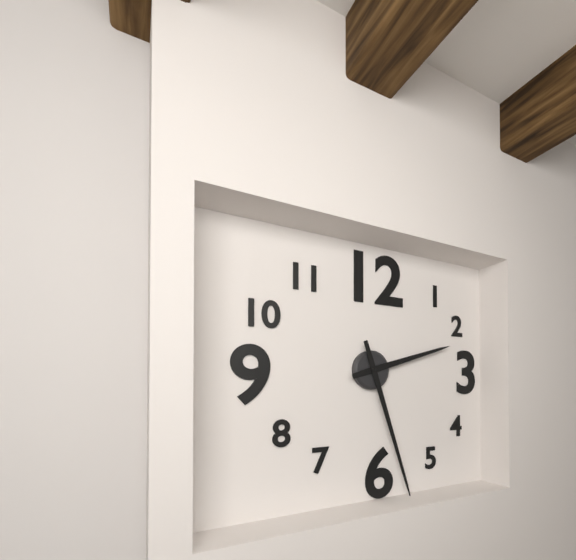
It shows 2.27
